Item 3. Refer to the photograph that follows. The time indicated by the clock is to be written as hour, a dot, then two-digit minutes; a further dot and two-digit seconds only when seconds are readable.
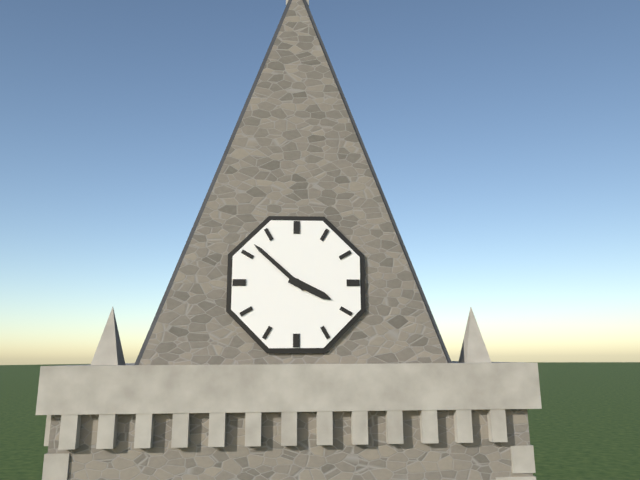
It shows 3.52
